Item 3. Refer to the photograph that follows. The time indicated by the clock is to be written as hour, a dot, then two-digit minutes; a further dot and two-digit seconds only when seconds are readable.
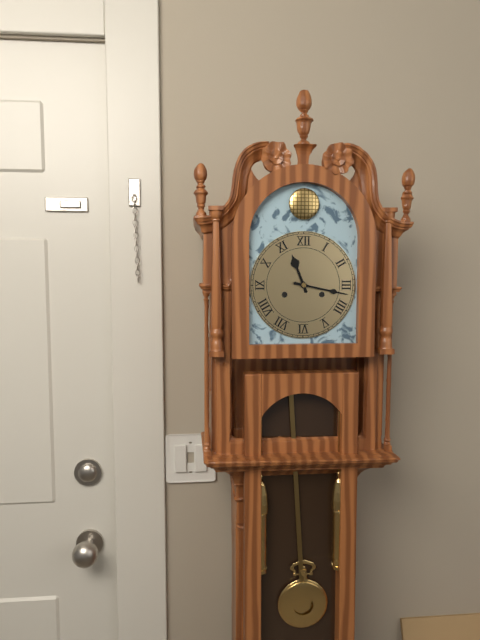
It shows 11.17
